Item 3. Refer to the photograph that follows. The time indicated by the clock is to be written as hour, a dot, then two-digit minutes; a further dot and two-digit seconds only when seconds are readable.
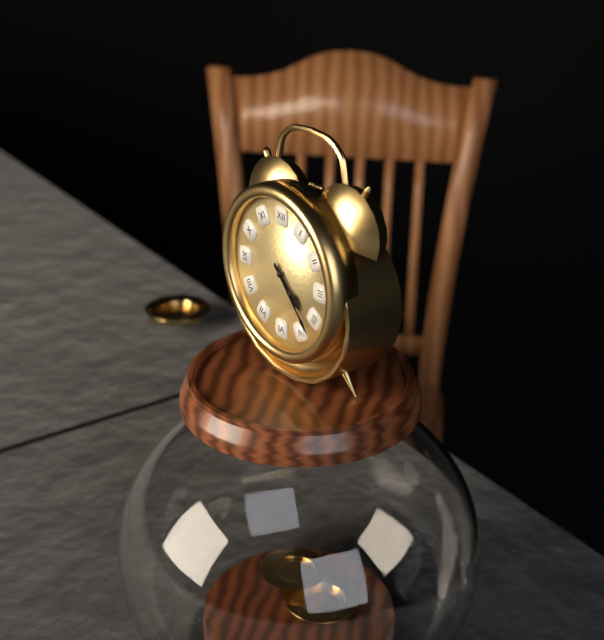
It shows 4.23
